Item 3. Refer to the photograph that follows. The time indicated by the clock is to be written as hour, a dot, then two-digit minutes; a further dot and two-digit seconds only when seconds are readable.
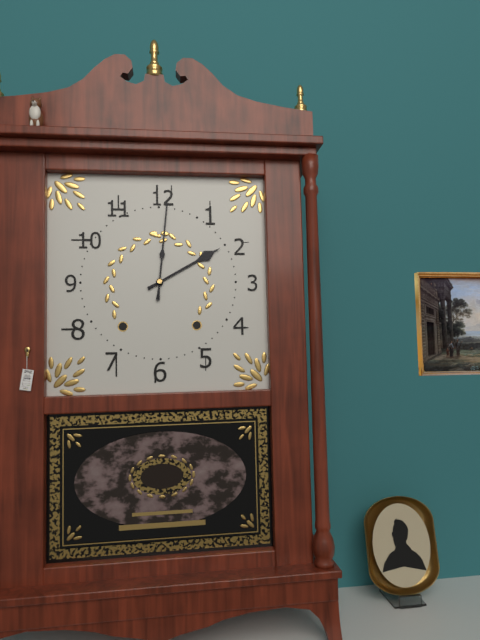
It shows 2.01
